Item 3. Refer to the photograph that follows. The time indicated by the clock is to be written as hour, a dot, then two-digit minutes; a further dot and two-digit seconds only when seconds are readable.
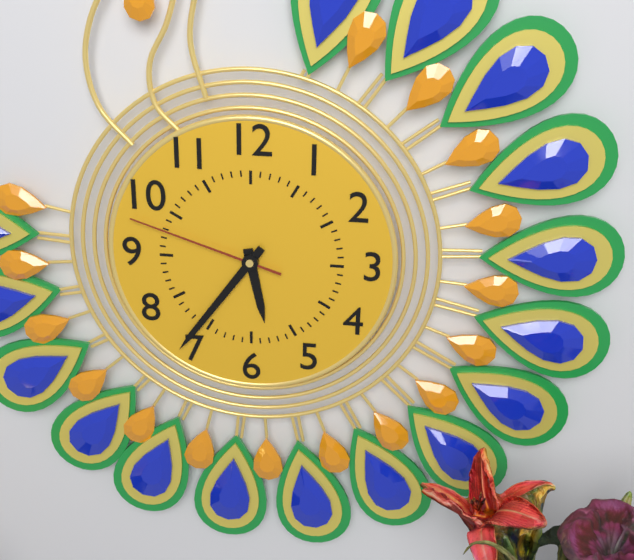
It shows 5.36.48
